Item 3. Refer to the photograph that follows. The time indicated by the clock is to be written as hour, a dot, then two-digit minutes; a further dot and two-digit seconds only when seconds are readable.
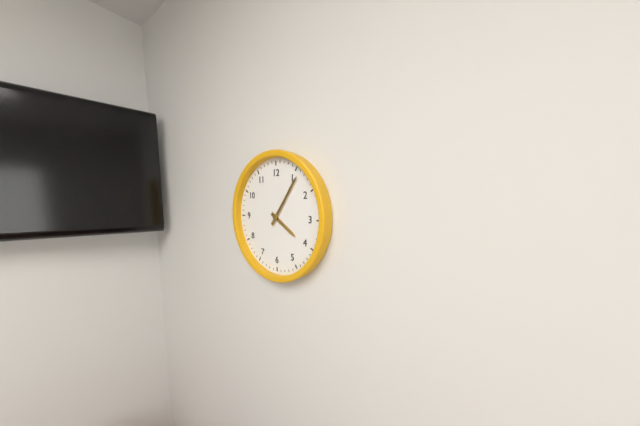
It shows 4.06
